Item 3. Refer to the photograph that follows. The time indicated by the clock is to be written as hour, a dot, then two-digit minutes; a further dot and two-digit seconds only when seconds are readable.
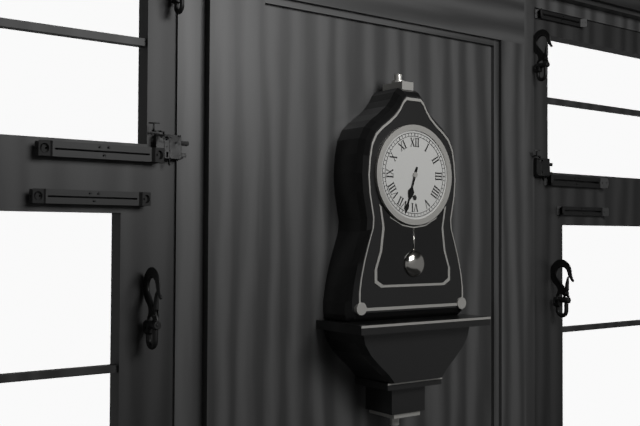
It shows 6.33
